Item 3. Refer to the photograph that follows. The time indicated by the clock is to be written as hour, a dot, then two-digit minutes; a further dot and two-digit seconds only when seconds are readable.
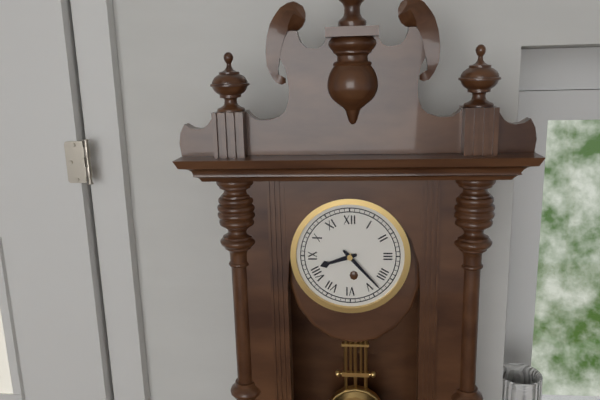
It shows 8.23
